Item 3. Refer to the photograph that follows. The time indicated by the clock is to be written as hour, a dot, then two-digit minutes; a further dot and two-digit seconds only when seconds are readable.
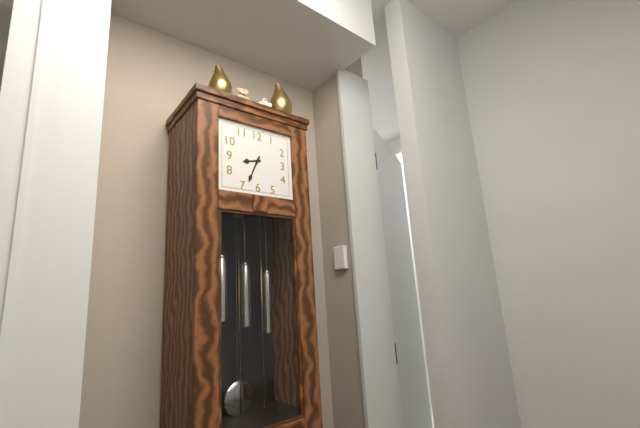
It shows 8.34
